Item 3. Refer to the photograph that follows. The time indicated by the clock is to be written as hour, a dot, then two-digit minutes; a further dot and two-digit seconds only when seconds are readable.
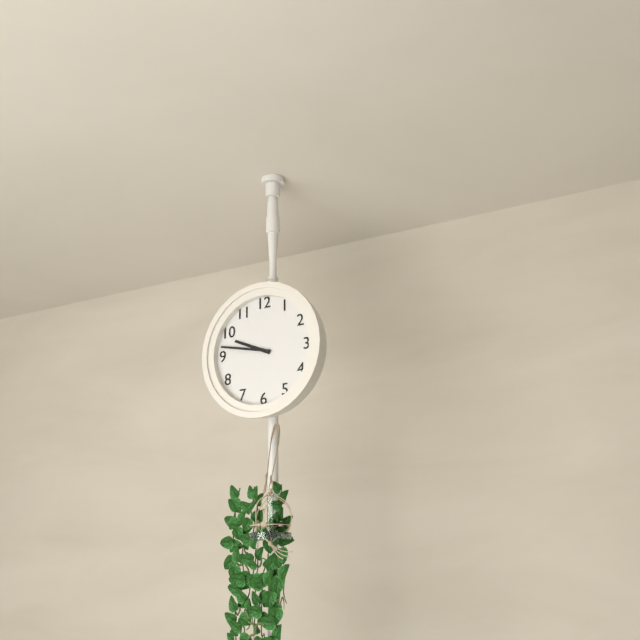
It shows 9.47
